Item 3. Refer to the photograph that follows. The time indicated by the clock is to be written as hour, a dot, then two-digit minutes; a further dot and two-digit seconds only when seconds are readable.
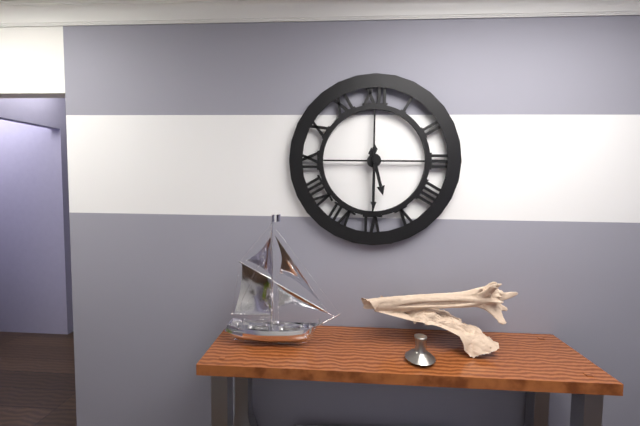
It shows 5.30
